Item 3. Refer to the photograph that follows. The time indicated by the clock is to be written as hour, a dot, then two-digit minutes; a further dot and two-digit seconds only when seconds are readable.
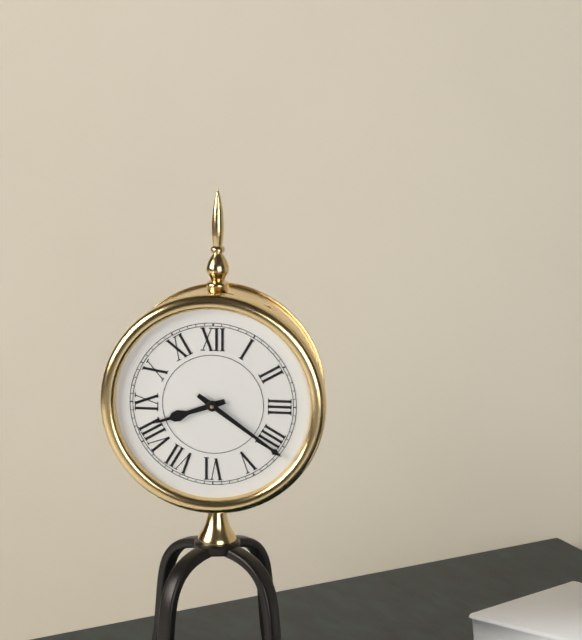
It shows 8.21
